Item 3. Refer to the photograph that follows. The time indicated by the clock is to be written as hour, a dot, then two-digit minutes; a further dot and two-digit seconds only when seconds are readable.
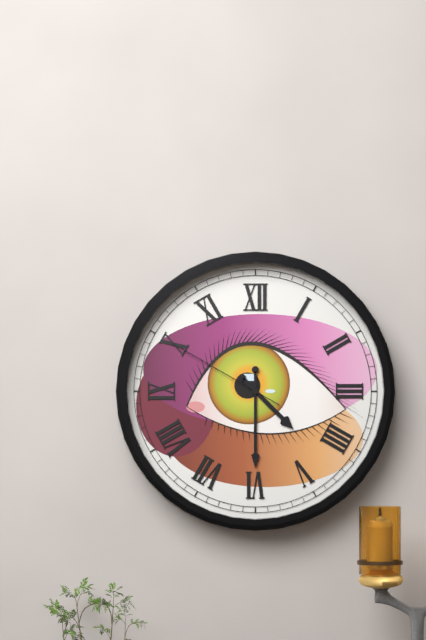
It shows 4.30.50
